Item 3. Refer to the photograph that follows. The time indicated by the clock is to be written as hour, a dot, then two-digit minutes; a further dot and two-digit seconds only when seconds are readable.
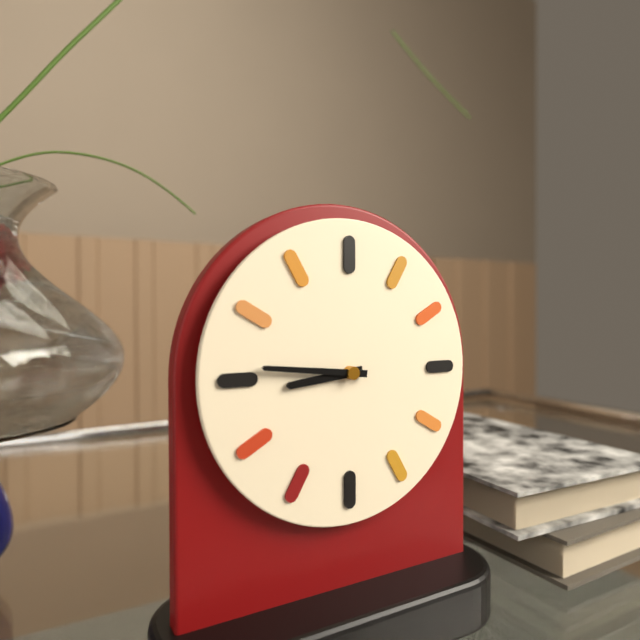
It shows 8.46
